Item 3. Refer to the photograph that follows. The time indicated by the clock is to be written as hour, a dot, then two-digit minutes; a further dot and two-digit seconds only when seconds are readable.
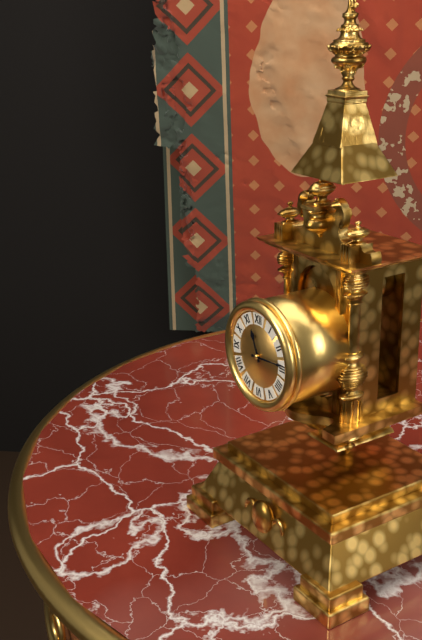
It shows 11.14
